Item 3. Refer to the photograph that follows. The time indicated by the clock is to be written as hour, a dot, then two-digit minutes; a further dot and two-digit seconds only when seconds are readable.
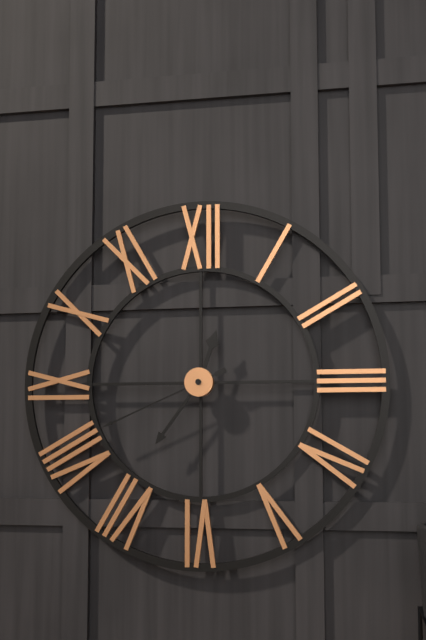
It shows 12.36.41
